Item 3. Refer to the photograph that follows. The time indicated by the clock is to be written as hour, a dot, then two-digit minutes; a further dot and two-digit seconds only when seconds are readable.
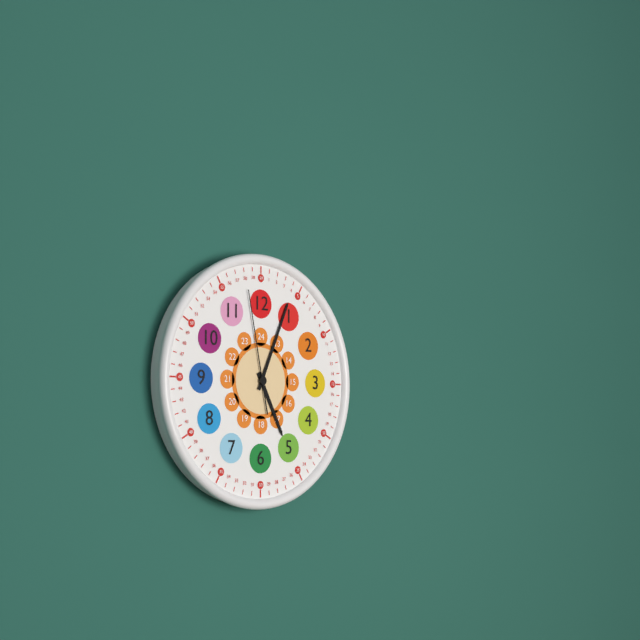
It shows 5.04.58
